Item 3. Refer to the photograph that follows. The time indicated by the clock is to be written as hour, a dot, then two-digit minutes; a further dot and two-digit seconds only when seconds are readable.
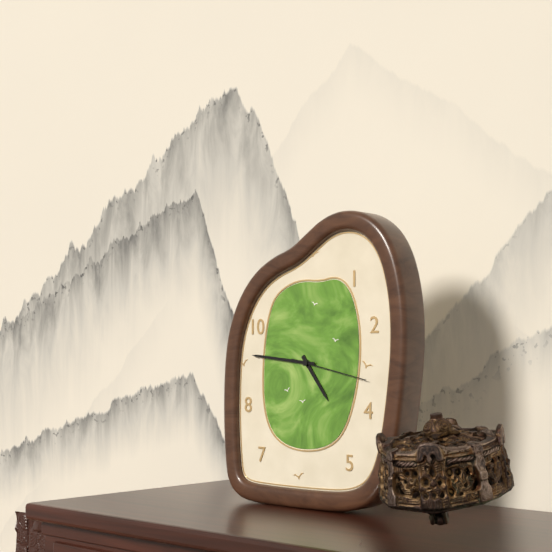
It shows 4.46.17
